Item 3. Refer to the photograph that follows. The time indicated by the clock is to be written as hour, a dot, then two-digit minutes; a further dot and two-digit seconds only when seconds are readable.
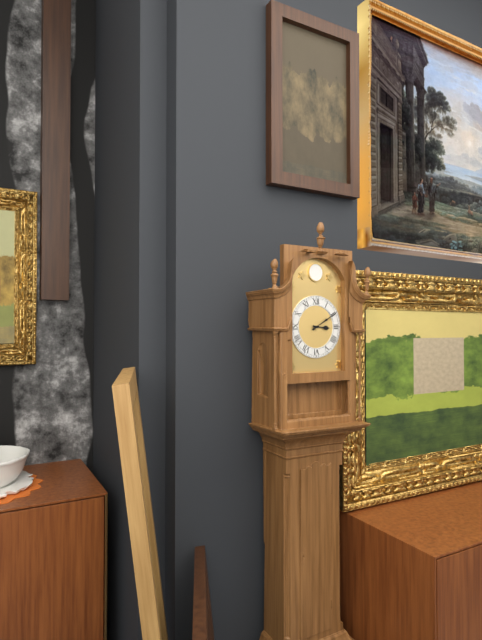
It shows 3.10
